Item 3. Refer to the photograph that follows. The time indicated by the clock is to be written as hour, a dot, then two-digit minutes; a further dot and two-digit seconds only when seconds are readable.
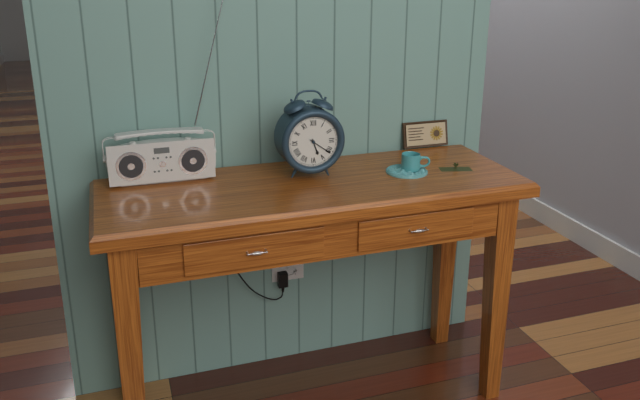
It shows 5.21
